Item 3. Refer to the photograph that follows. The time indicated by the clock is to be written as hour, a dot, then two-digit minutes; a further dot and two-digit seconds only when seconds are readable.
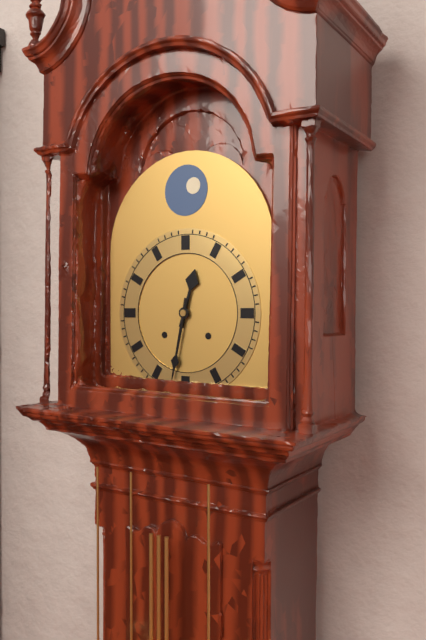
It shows 12.32
